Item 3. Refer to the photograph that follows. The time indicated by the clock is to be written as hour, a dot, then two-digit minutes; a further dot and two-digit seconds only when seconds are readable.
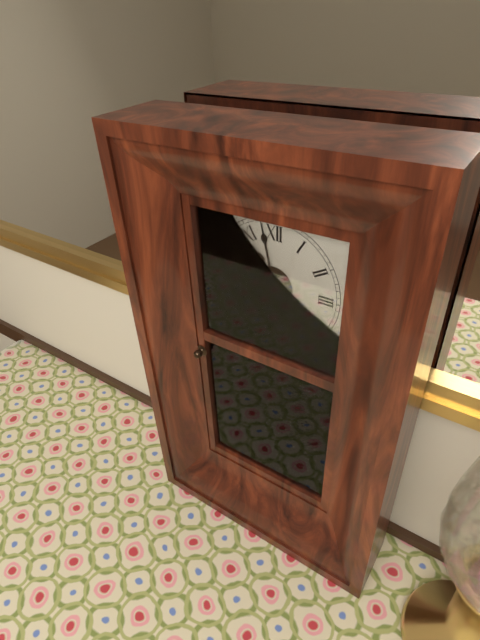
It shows 10.58
